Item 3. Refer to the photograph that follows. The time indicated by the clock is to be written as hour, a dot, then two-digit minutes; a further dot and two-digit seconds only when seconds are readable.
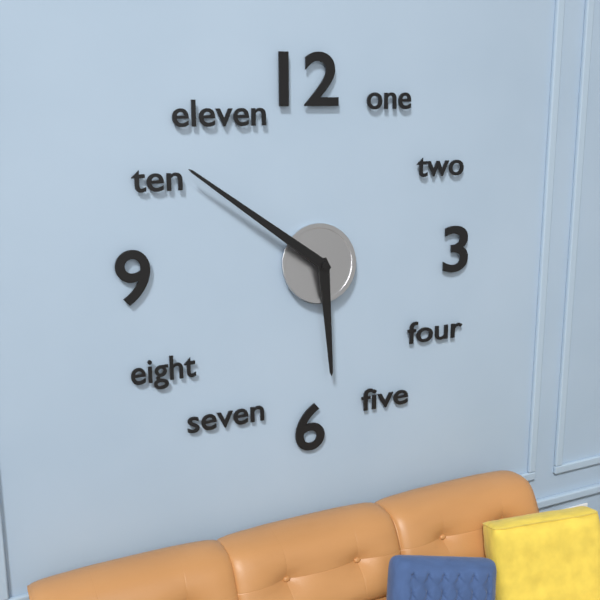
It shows 5.51
